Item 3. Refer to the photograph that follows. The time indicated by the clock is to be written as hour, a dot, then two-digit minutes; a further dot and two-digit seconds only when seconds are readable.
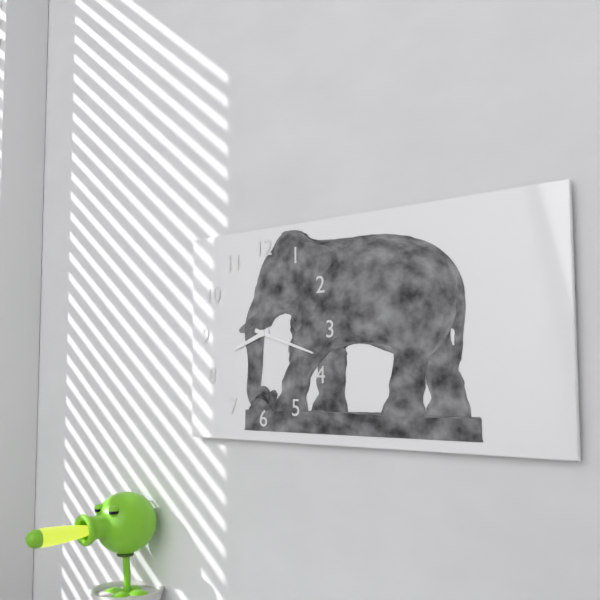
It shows 8.18
